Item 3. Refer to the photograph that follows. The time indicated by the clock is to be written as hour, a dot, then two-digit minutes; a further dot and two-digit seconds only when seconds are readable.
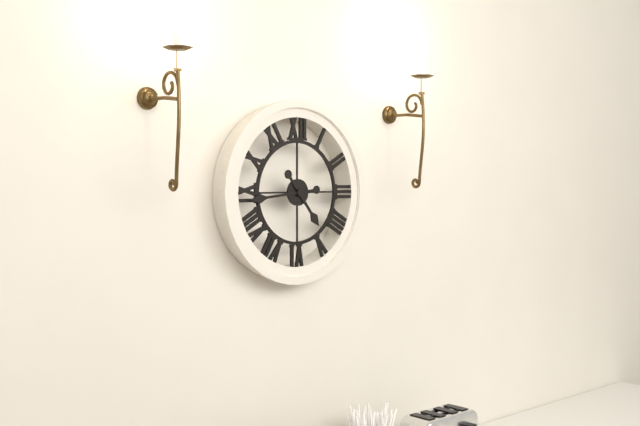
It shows 4.44
